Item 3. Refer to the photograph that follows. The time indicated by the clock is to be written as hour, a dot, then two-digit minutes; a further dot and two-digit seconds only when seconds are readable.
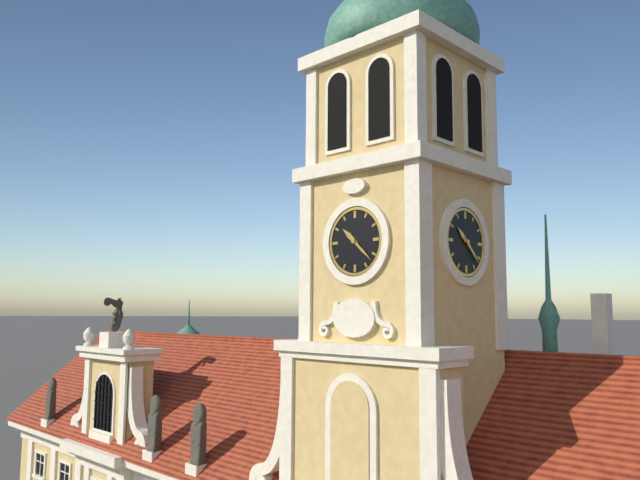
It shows 10.22
